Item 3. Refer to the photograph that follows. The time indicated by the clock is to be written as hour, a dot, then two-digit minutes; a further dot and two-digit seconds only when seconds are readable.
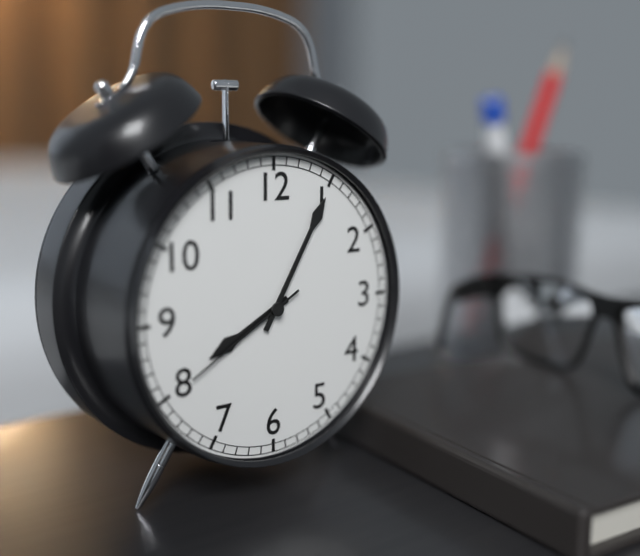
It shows 8.05.40
